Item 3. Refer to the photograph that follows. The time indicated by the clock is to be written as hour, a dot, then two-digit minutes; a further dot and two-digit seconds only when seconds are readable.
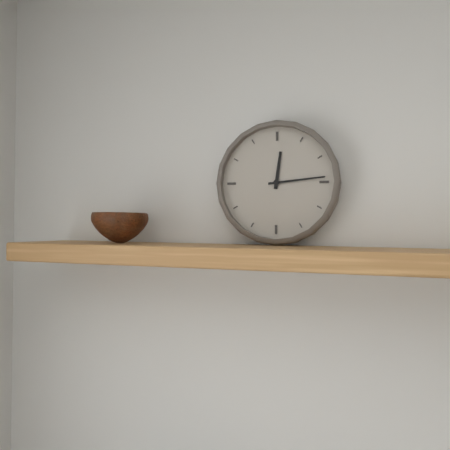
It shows 12.14
